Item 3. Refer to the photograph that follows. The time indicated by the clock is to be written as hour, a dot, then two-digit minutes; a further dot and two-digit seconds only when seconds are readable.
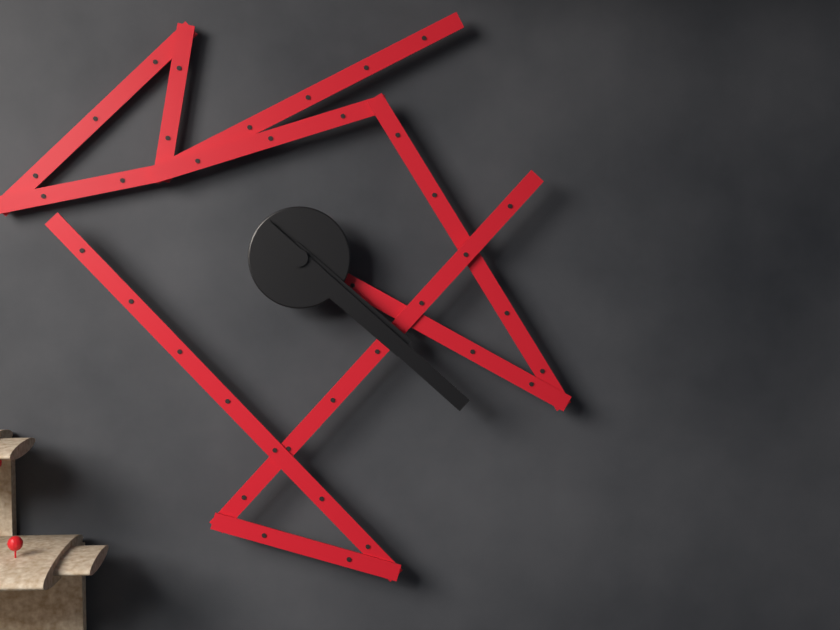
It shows 4.22
